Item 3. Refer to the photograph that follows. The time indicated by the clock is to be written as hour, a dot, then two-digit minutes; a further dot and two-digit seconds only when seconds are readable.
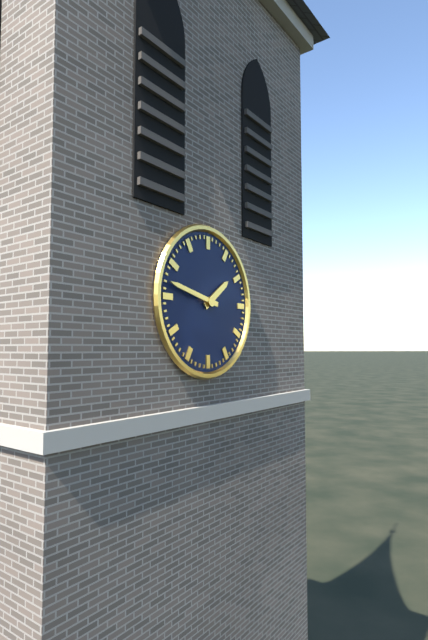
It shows 1.47
